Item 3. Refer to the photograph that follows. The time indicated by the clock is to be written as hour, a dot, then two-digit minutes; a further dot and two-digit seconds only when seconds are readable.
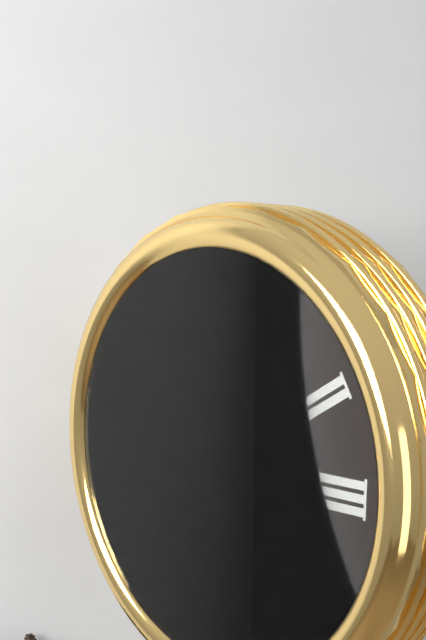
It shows 8.57.19
